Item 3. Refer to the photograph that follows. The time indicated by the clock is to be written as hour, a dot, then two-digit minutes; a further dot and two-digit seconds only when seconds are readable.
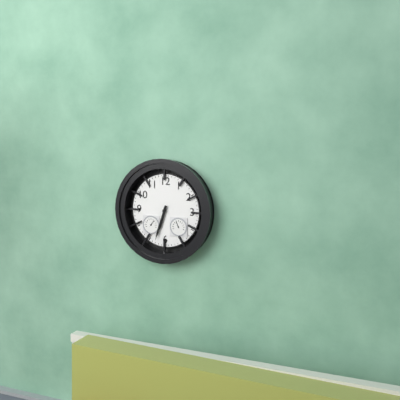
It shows 6.33
